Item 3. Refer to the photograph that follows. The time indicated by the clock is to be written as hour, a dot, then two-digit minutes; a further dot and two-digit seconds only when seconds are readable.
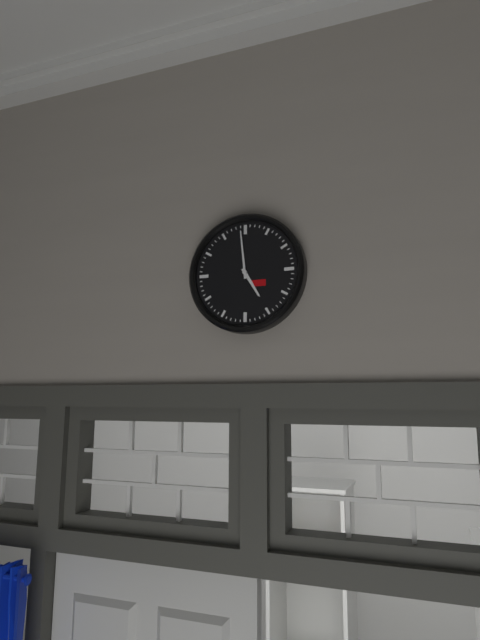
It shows 4.59
